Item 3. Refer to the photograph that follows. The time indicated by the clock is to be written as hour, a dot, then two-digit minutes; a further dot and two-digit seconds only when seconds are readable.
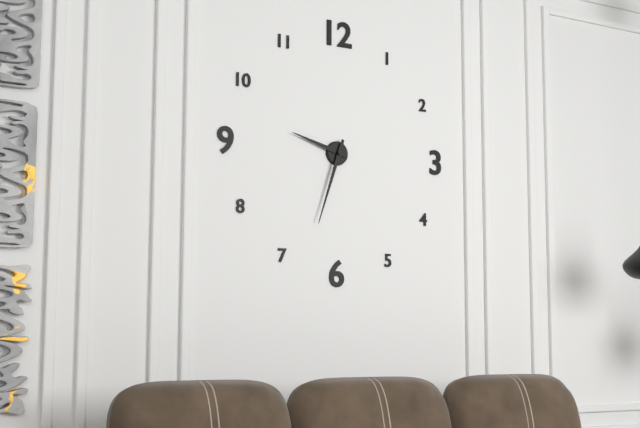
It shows 9.33
